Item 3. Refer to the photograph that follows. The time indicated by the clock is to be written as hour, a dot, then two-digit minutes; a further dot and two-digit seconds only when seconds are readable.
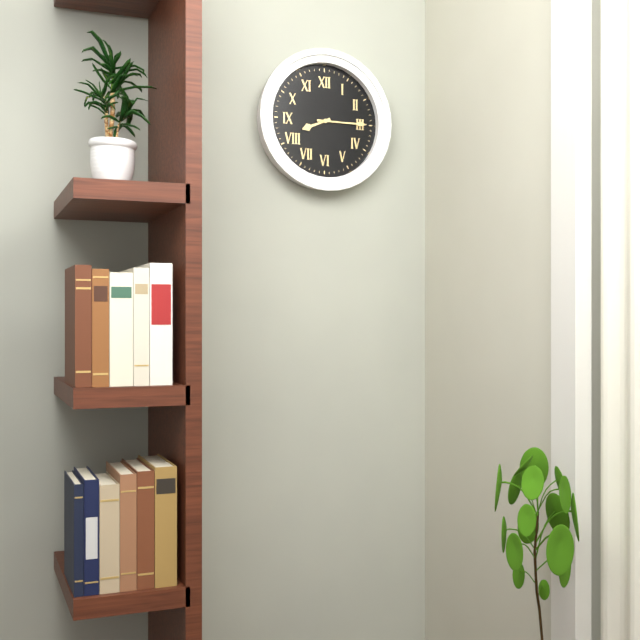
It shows 8.15
